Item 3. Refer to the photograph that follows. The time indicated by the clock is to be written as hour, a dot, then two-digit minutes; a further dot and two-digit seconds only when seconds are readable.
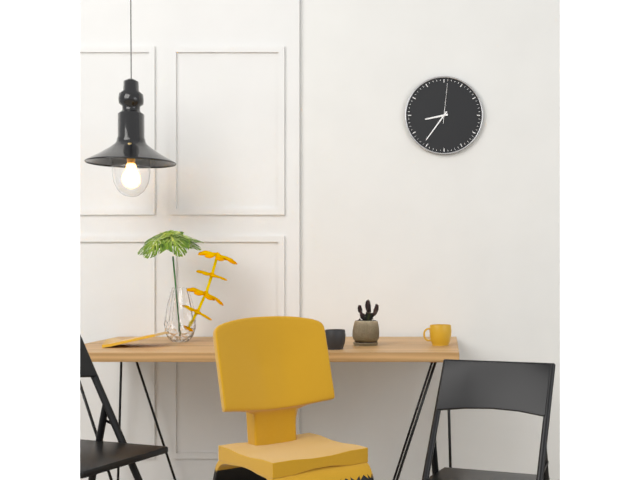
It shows 8.36
